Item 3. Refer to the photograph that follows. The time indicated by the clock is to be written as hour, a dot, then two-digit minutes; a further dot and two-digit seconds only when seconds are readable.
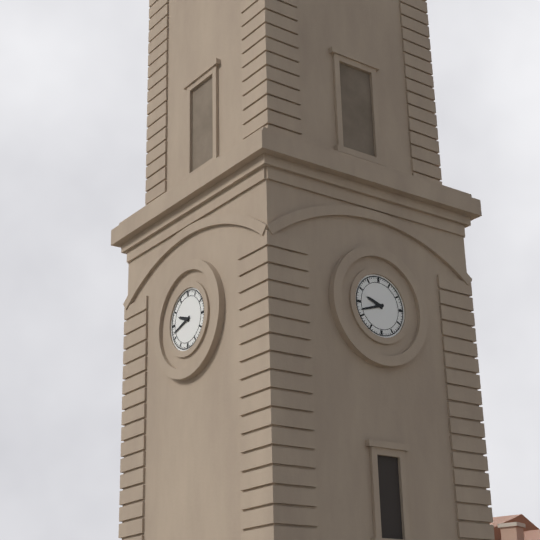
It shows 9.42
